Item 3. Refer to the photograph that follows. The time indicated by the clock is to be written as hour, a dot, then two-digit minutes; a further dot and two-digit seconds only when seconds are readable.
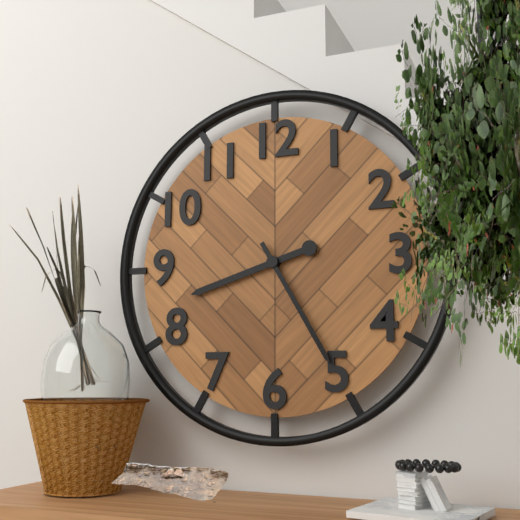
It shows 8.25
